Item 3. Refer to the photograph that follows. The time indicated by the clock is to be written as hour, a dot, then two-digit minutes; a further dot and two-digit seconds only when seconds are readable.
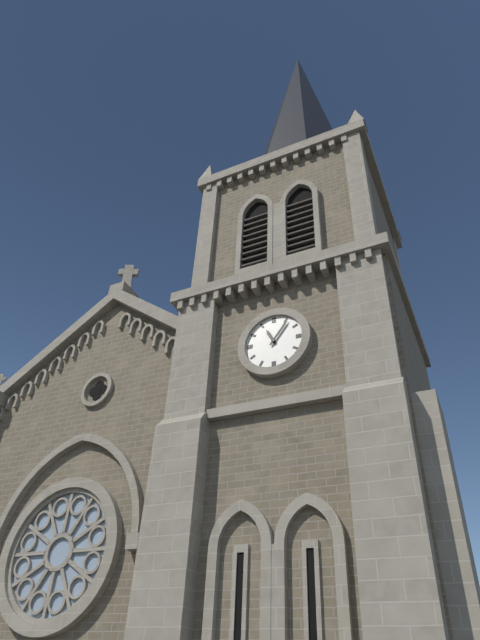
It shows 11.06
